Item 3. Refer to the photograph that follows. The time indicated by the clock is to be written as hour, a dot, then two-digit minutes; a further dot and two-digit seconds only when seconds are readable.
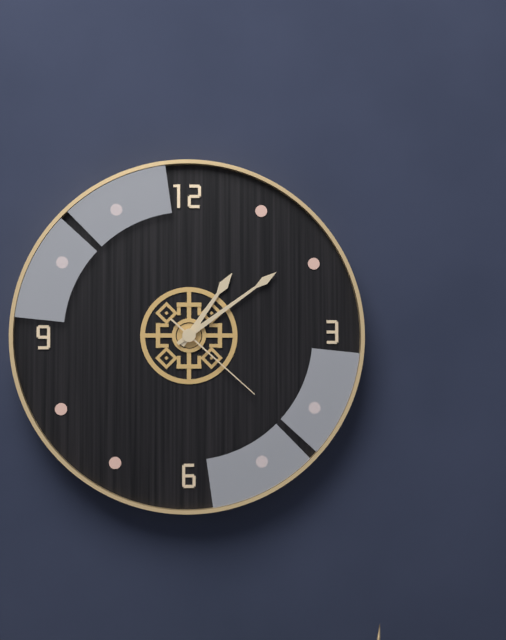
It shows 1.09.22
